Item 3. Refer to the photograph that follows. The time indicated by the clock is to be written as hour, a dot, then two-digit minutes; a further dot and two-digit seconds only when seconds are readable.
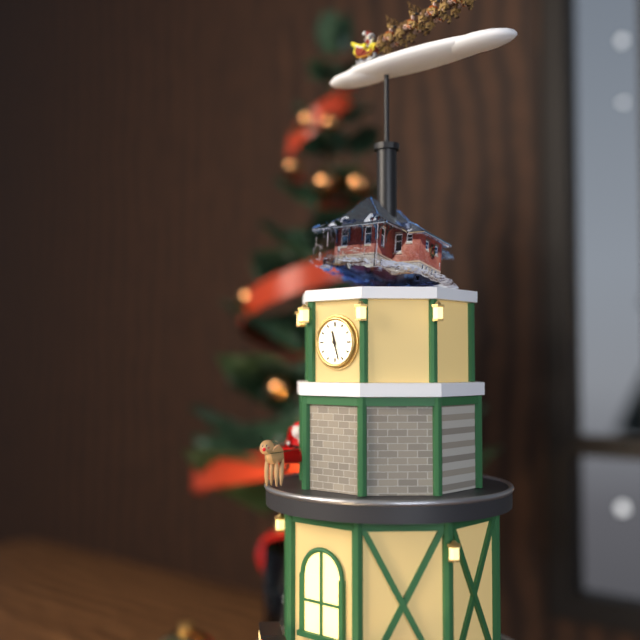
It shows 11.27
